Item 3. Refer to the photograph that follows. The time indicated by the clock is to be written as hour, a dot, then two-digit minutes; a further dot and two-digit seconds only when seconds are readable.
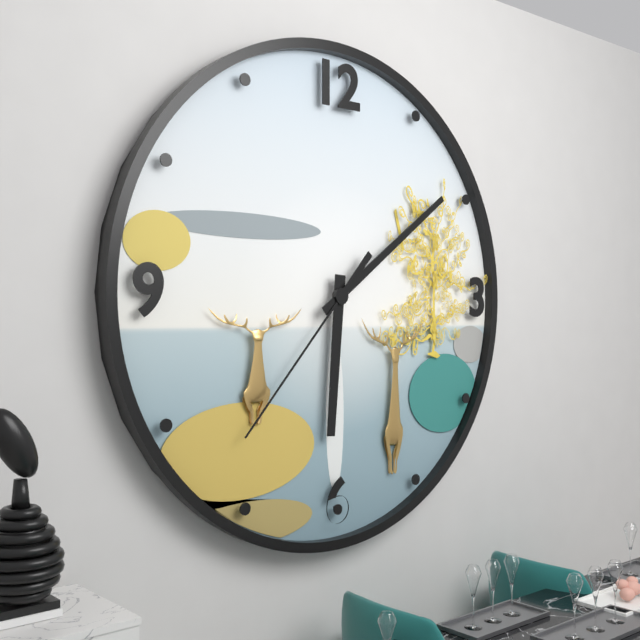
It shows 6.09.37
